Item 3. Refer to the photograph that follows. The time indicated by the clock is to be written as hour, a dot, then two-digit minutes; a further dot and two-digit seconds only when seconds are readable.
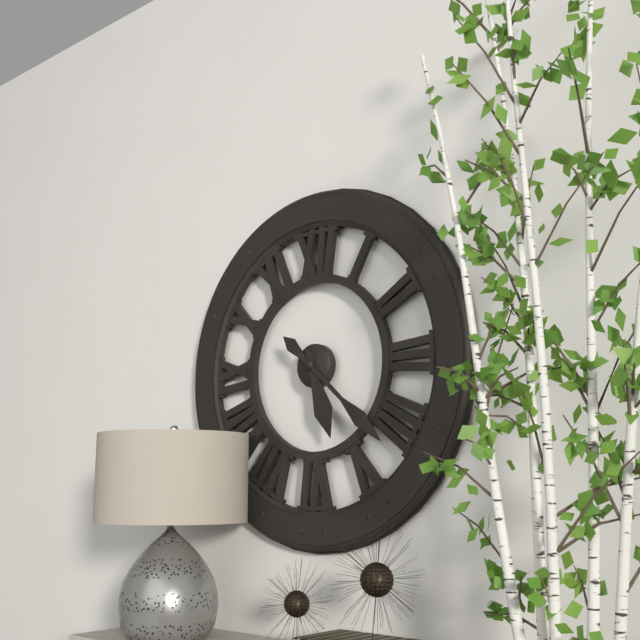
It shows 5.22
